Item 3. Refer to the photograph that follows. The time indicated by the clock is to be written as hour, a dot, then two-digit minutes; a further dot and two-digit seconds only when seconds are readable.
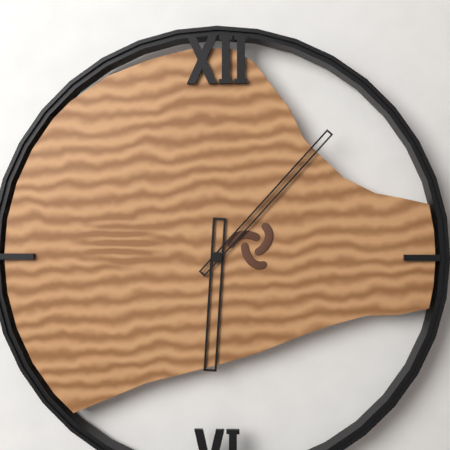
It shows 6.07
